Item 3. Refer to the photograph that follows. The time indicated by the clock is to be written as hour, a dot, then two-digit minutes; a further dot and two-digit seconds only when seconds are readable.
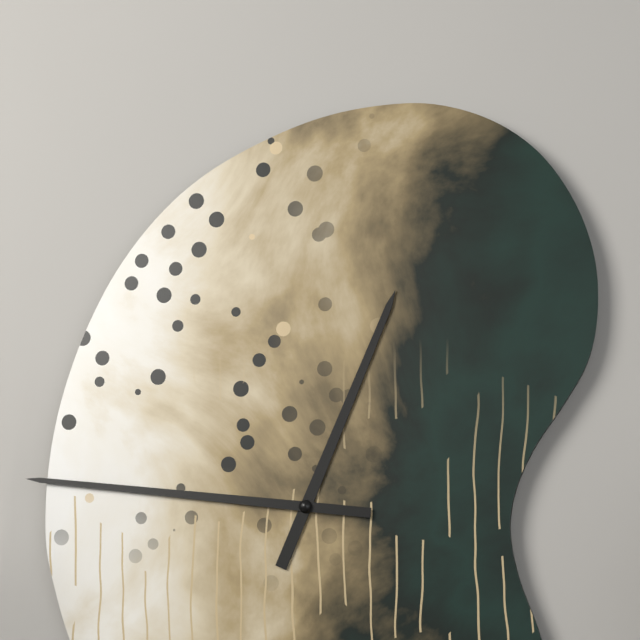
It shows 12.46
